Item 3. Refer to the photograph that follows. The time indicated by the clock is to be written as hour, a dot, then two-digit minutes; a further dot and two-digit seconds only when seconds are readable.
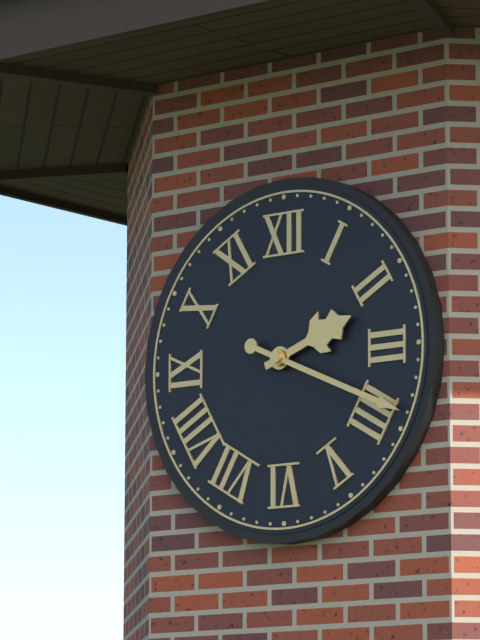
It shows 2.19
